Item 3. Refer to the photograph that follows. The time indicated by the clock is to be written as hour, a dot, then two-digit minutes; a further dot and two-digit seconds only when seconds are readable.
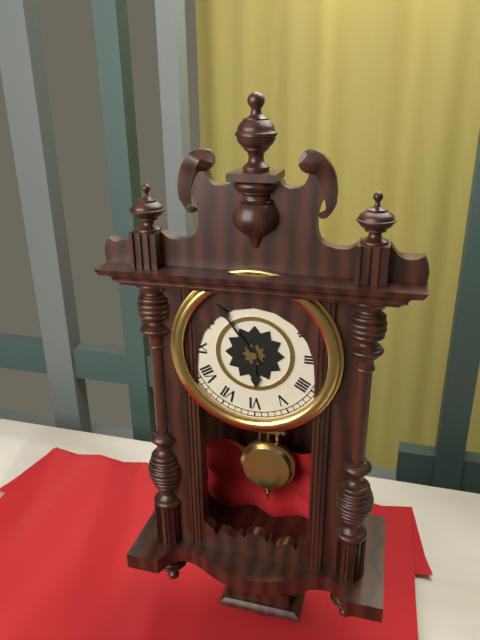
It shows 5.54
